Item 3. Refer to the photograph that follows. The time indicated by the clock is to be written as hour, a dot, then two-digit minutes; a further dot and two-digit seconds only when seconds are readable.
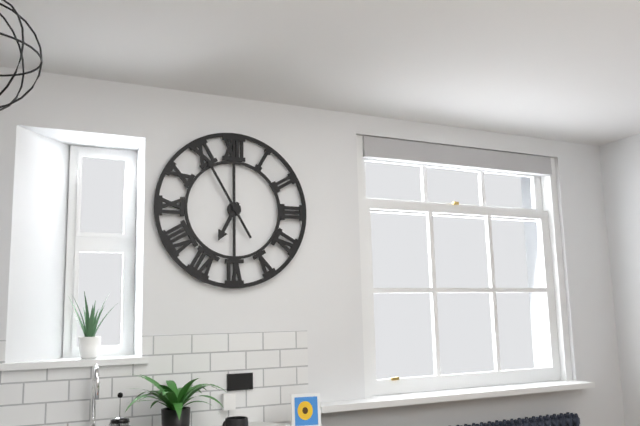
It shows 6.55
